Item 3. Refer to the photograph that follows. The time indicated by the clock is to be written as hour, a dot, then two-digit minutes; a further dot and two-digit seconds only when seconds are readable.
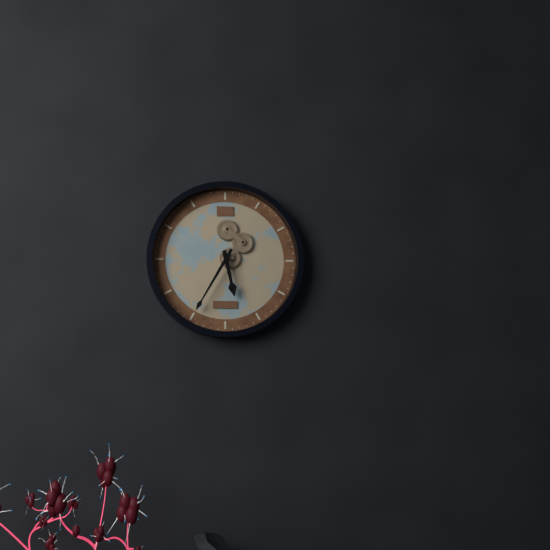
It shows 5.35
